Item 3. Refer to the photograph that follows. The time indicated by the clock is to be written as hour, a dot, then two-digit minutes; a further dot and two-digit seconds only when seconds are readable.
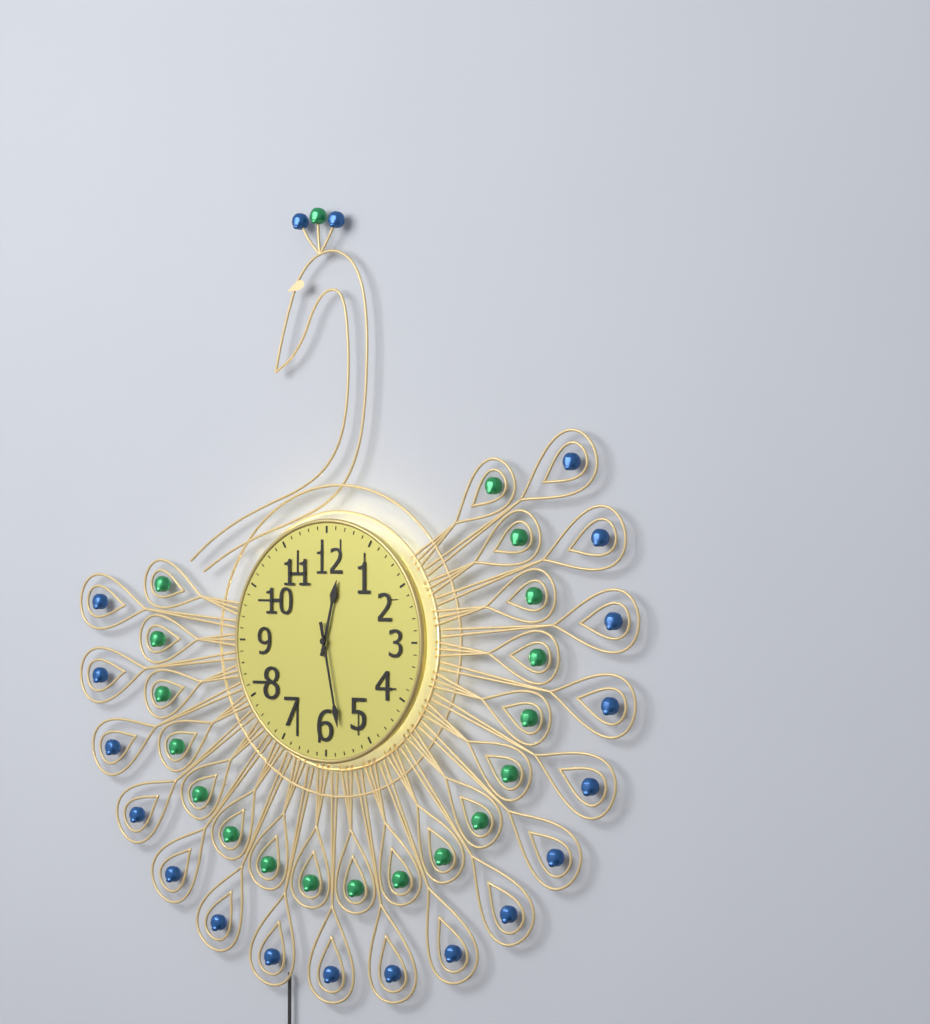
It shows 12.28
